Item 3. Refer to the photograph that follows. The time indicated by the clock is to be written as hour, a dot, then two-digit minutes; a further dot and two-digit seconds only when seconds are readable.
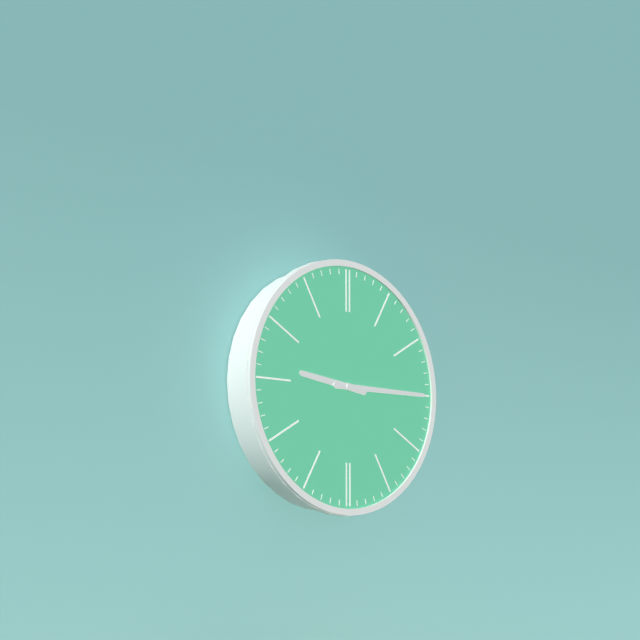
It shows 9.15
